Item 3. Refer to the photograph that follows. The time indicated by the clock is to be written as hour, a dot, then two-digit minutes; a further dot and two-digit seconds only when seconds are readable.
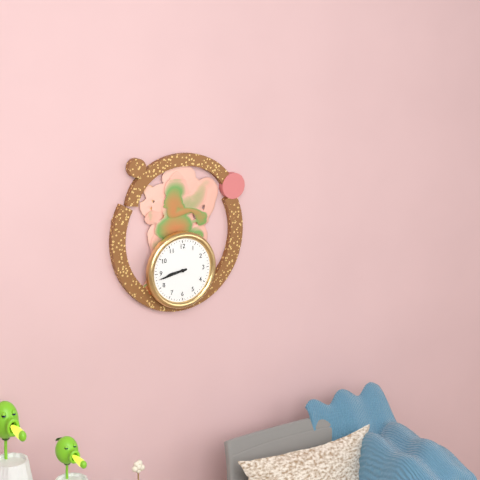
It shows 8.43
